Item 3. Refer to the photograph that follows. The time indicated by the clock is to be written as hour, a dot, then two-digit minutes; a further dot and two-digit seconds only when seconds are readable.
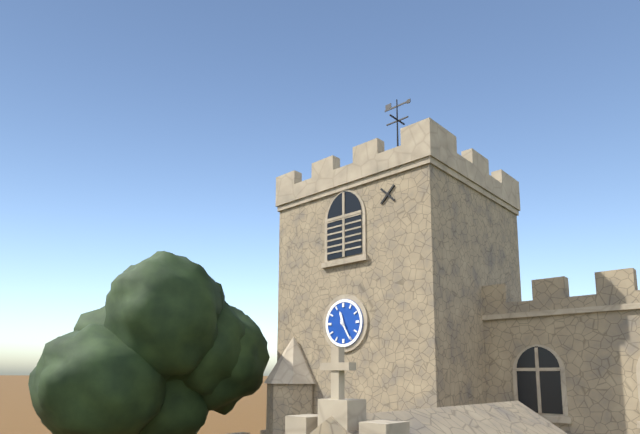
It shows 11.25
